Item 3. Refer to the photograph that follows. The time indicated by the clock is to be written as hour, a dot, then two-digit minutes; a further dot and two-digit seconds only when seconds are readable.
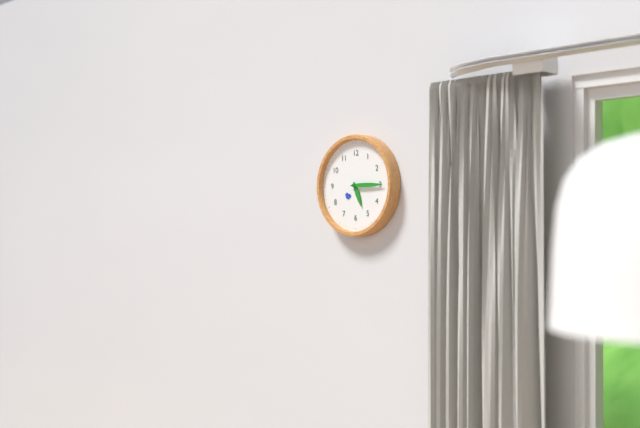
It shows 5.15
